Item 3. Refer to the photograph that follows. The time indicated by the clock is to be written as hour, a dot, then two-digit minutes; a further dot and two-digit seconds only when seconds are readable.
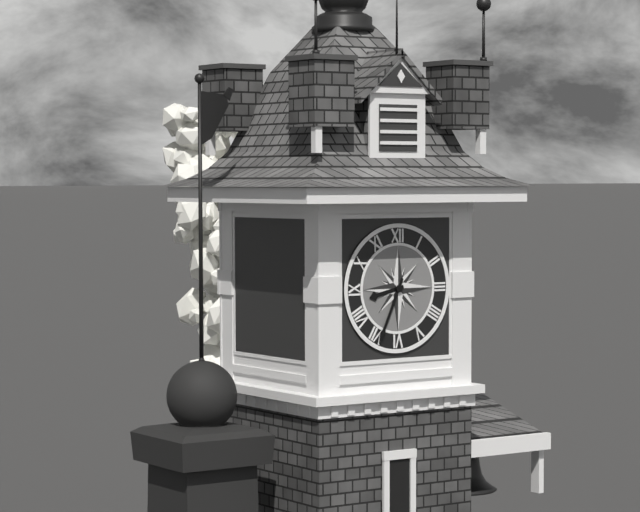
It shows 8.34
